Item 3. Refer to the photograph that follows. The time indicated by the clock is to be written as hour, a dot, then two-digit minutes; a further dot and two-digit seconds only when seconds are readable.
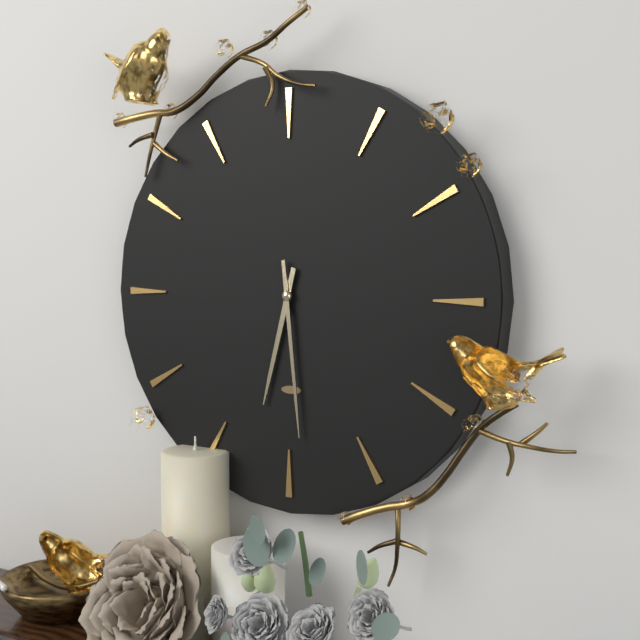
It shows 6.29
